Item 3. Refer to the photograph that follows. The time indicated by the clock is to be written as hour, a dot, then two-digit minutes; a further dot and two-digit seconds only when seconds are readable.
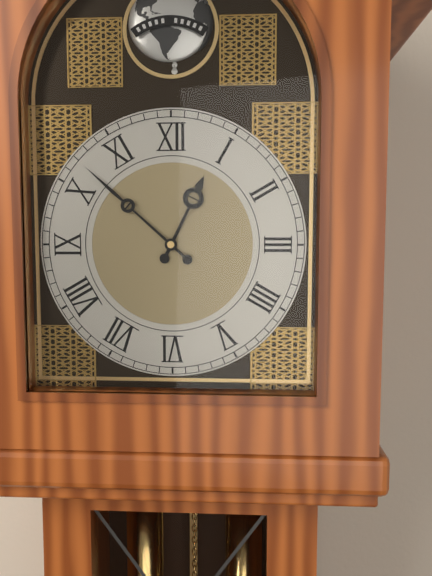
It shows 12.52
